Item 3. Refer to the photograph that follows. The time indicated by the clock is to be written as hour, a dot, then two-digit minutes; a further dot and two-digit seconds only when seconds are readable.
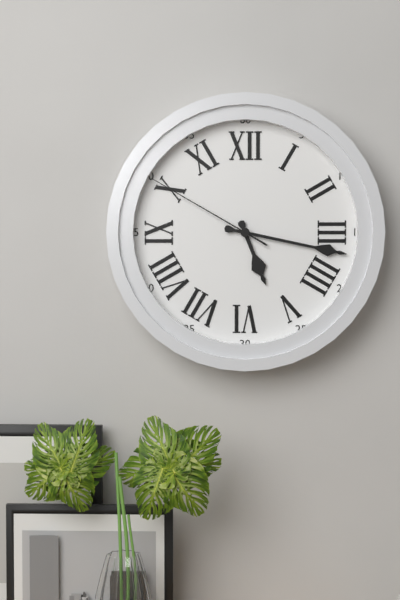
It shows 5.17.50
